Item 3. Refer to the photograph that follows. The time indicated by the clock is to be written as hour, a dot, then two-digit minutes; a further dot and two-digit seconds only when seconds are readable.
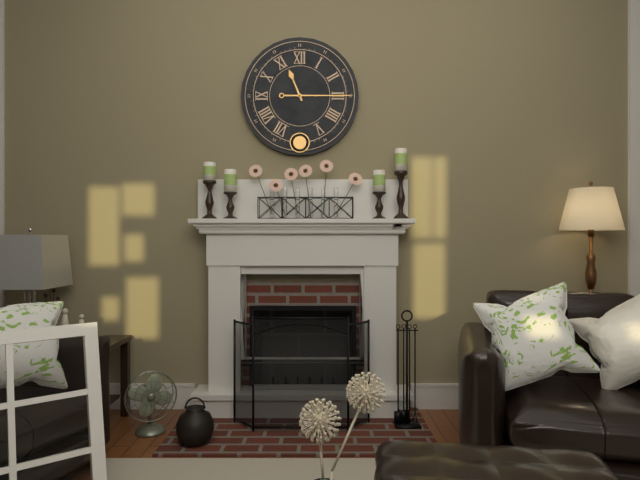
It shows 11.15
